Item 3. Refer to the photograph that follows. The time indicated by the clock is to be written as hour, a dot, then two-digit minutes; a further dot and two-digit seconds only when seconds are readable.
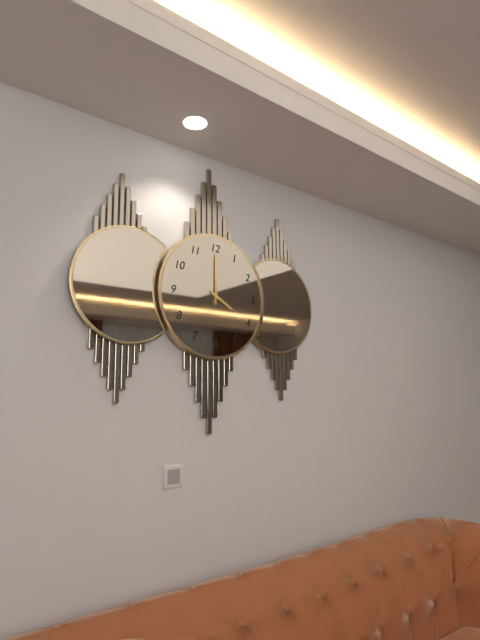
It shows 4.00
